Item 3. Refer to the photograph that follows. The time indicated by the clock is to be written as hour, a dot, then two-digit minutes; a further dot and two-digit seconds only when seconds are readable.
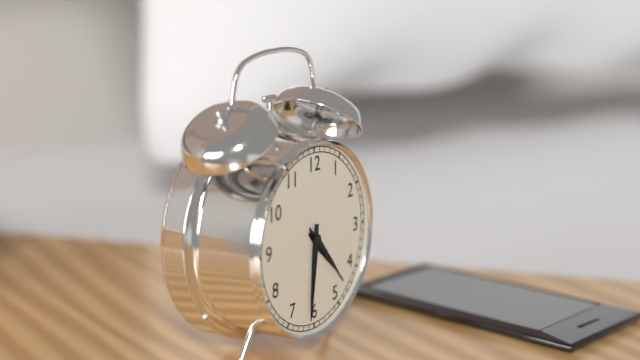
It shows 4.31.23
